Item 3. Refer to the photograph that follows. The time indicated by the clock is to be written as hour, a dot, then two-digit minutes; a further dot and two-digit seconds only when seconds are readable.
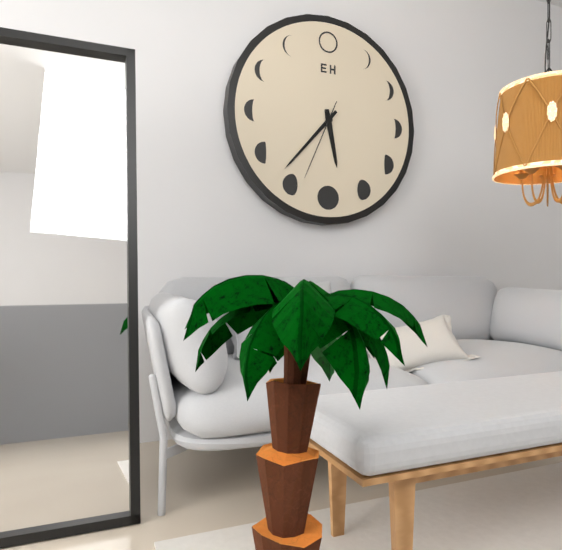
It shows 5.37.34
